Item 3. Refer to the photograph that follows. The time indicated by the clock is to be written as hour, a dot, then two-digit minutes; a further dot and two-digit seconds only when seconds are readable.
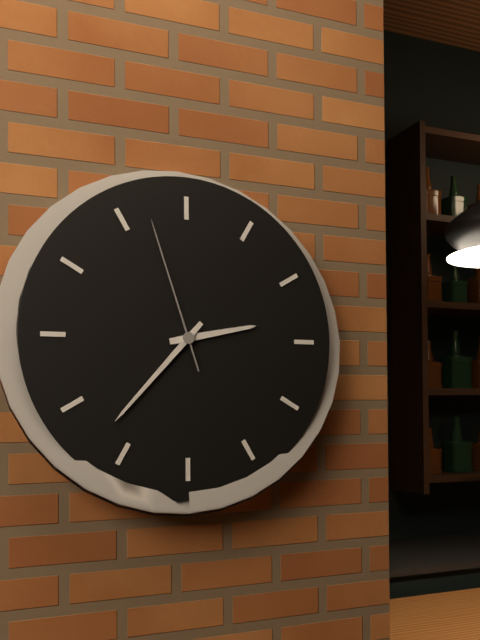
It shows 2.37.57
